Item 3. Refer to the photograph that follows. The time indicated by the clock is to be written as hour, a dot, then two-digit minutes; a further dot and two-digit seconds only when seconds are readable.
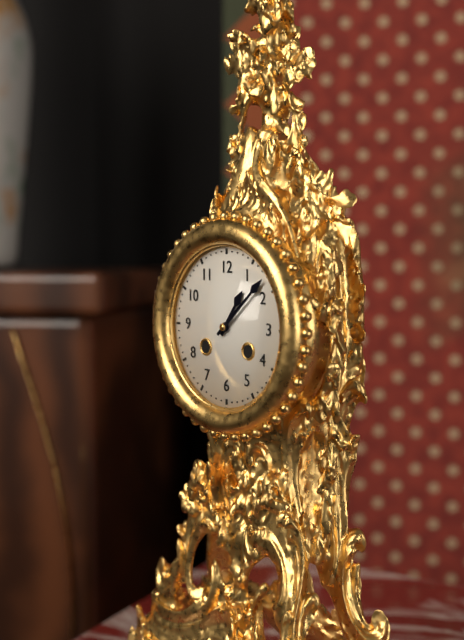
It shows 1.08
